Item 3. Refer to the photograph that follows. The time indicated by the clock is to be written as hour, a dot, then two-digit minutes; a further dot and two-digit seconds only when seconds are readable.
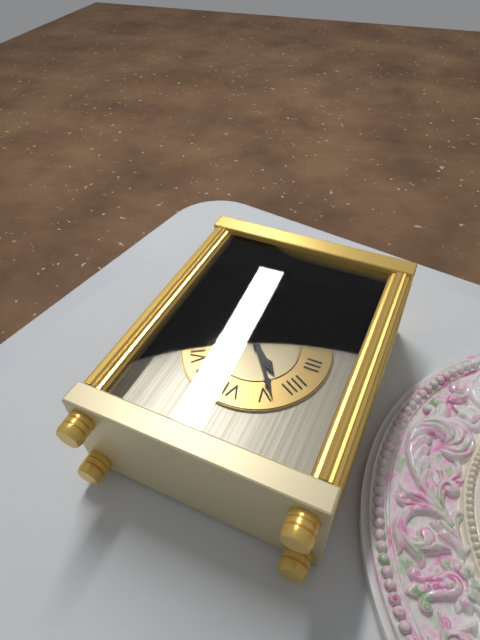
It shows 4.24
